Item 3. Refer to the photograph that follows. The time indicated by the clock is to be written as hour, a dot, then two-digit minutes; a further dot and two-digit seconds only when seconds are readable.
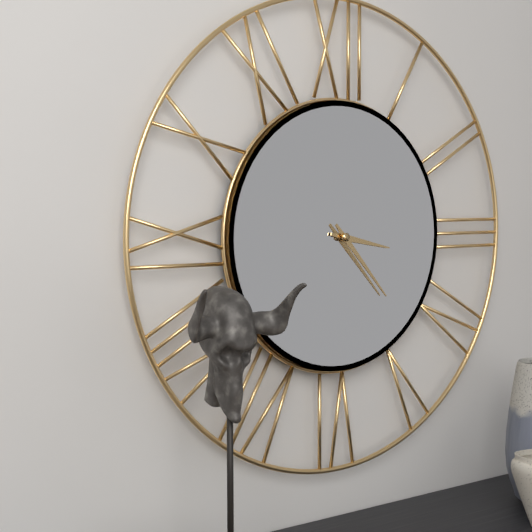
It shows 3.23
